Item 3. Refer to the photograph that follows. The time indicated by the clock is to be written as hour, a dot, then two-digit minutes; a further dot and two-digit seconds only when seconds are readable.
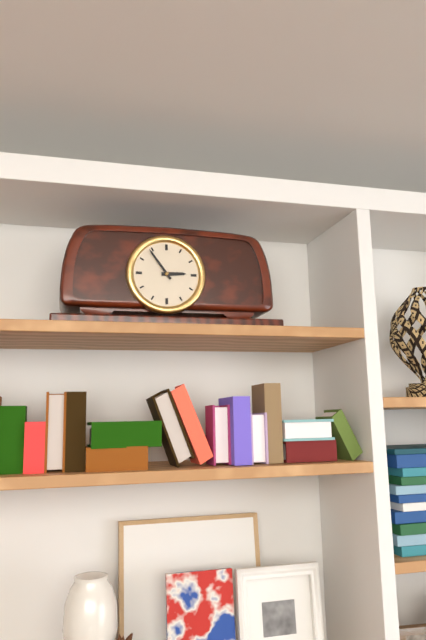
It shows 2.54
